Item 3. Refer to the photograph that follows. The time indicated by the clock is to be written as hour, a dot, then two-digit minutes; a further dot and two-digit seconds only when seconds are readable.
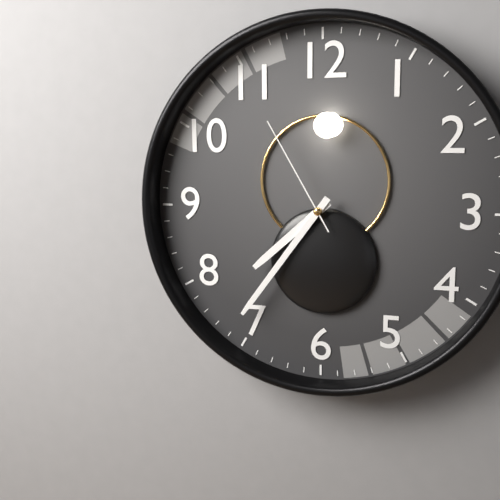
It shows 7.36.55
